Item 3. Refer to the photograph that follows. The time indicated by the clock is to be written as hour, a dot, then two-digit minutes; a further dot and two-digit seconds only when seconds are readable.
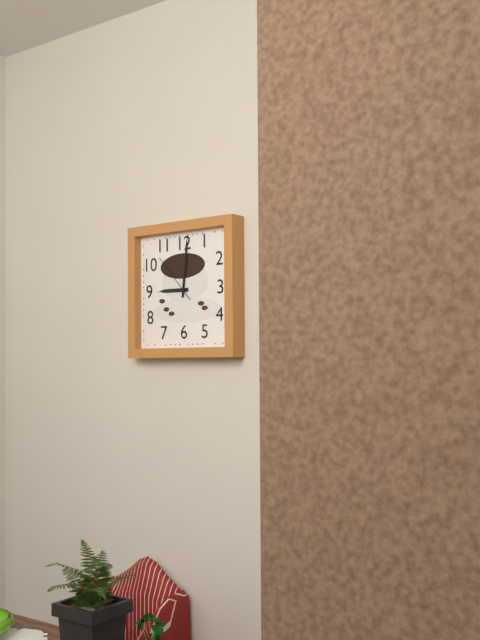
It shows 9.01
